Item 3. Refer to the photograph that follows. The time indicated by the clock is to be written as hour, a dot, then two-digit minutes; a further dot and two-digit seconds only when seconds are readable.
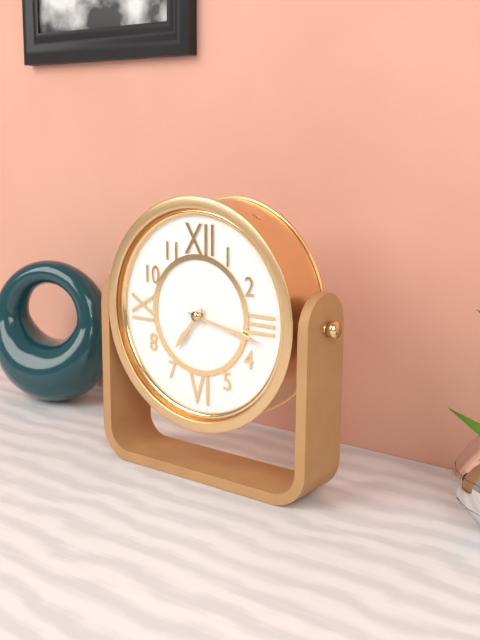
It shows 7.17
